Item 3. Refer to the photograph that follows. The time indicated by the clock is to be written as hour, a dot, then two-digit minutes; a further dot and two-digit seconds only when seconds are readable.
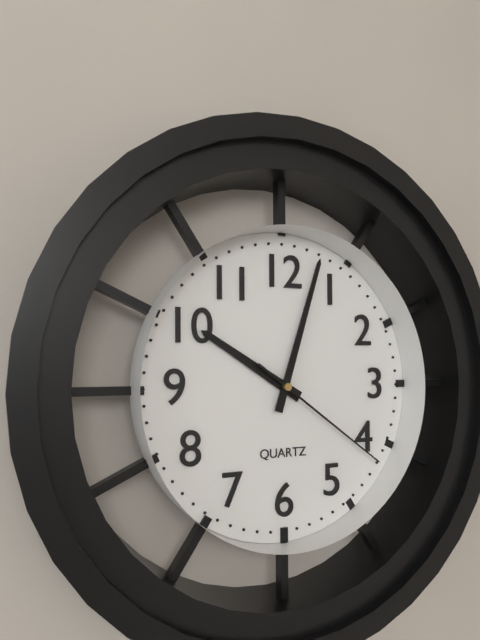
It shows 10.03.21
